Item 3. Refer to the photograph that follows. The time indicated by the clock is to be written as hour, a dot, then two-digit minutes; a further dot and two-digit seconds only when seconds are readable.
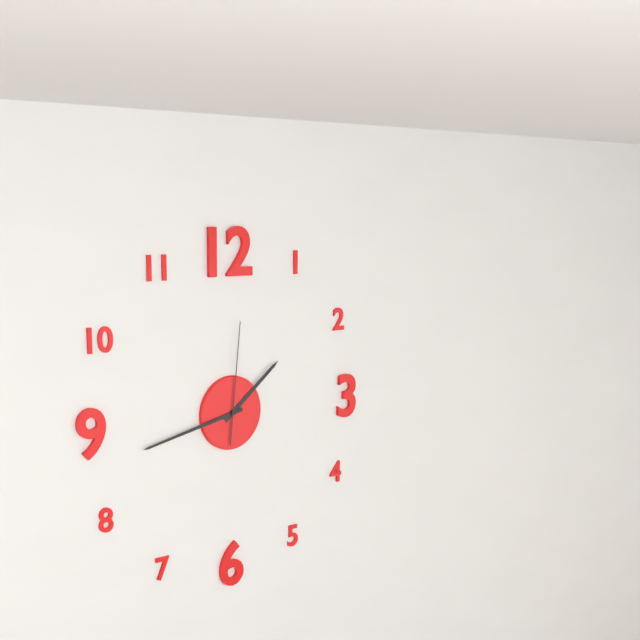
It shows 1.43.01
